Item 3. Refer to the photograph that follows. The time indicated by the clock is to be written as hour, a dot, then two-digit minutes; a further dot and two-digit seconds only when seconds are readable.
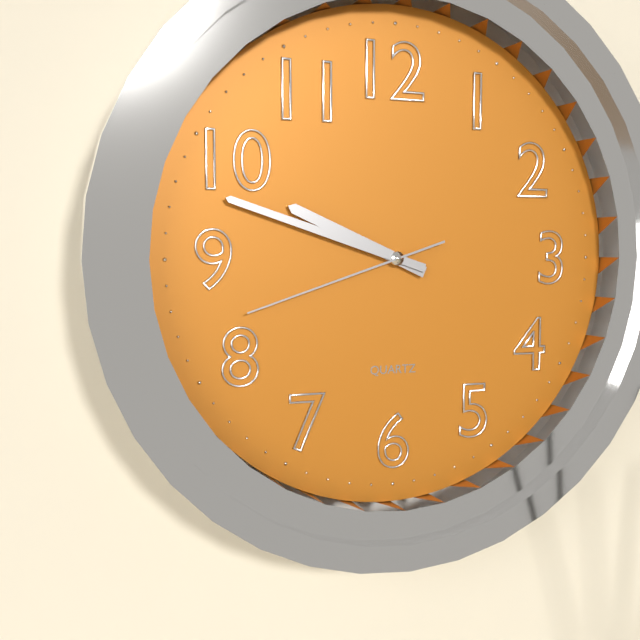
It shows 9.48.42
